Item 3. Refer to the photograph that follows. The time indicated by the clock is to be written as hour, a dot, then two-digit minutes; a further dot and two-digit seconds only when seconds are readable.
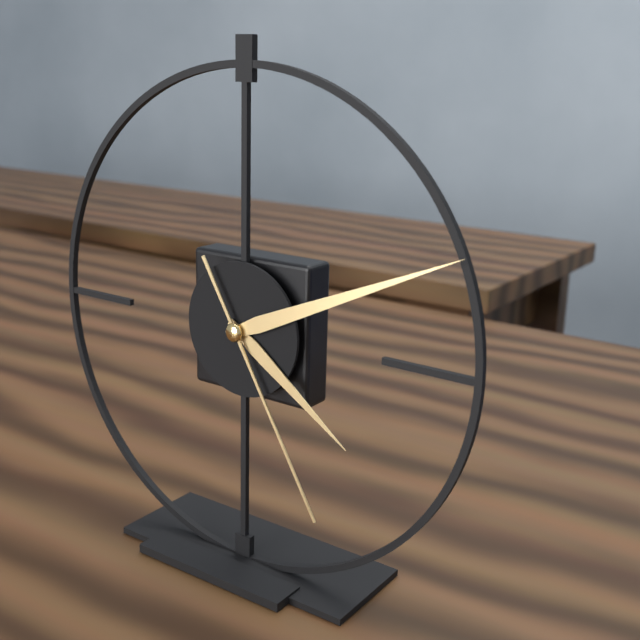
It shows 4.11.25
